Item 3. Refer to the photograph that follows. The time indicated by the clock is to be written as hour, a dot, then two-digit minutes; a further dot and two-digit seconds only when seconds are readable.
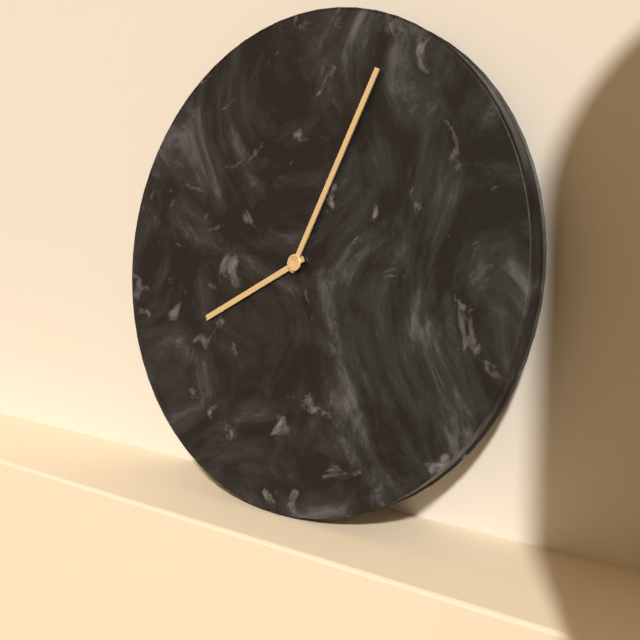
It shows 8.04
